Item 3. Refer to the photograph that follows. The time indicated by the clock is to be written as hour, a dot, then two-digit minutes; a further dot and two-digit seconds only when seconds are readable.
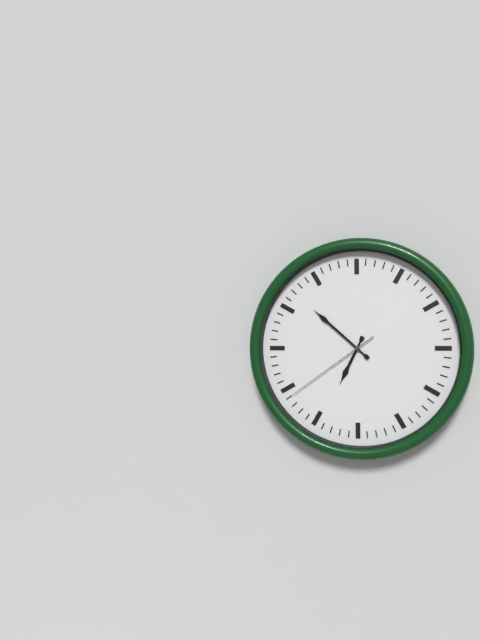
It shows 6.52.39
